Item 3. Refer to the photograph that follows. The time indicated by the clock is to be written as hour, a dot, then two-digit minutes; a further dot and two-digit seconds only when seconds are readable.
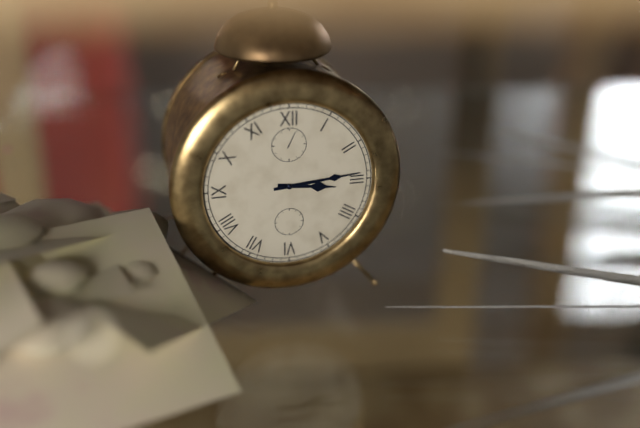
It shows 3.14
